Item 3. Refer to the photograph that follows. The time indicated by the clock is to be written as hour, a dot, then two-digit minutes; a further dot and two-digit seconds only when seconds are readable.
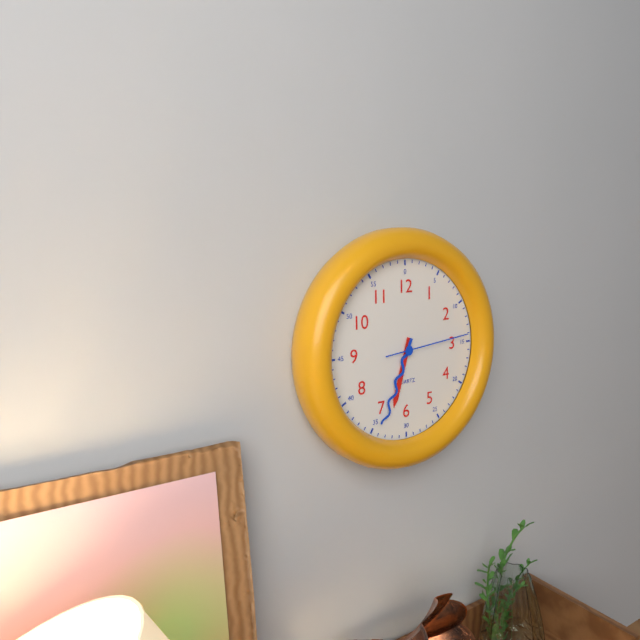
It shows 6.34.14
